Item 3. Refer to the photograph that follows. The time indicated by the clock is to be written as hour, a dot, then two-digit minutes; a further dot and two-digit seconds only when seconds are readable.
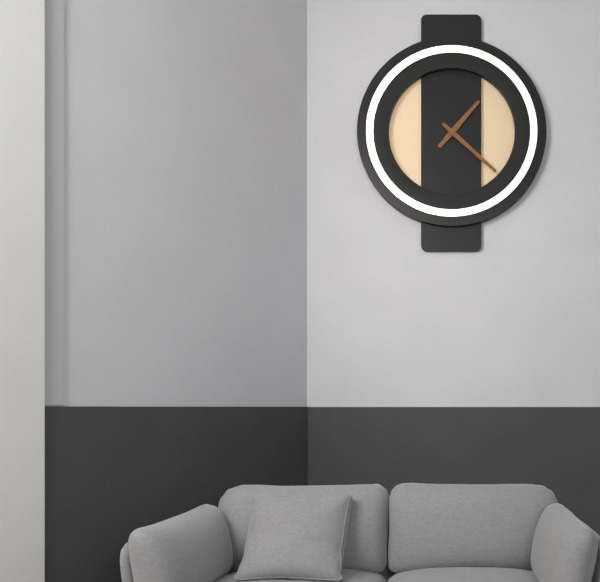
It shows 1.22
